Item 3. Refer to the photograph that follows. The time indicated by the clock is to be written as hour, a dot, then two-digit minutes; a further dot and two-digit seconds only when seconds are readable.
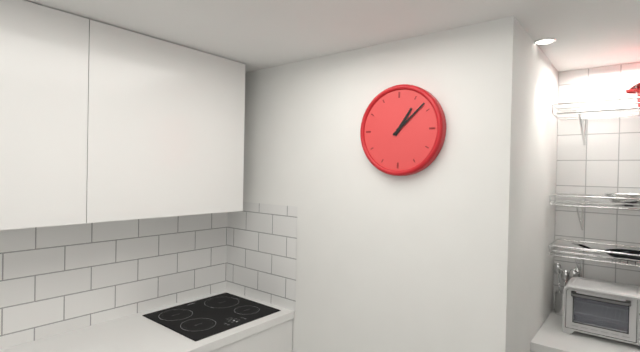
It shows 1.08
